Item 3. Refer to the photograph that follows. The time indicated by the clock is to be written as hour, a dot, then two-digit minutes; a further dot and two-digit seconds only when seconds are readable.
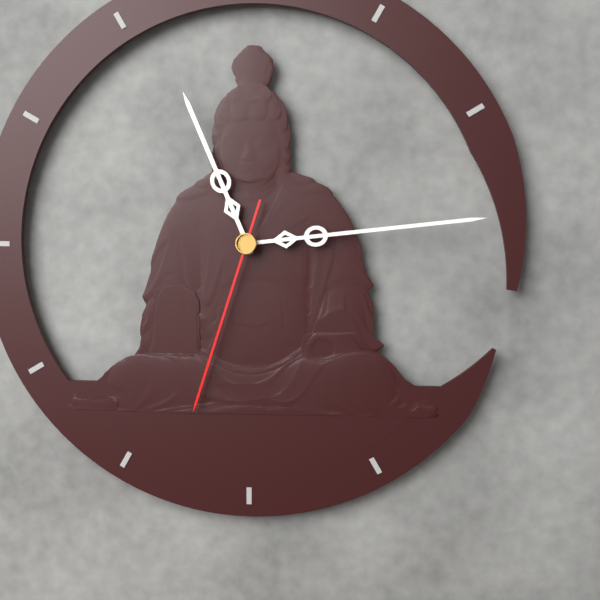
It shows 11.14.33
